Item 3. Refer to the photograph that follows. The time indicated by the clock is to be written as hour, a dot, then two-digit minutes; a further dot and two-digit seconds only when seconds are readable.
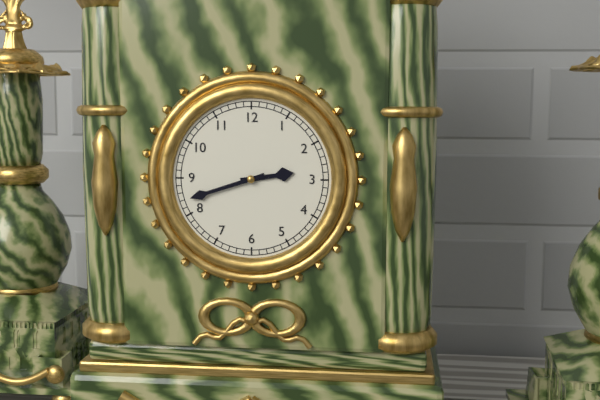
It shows 2.42
